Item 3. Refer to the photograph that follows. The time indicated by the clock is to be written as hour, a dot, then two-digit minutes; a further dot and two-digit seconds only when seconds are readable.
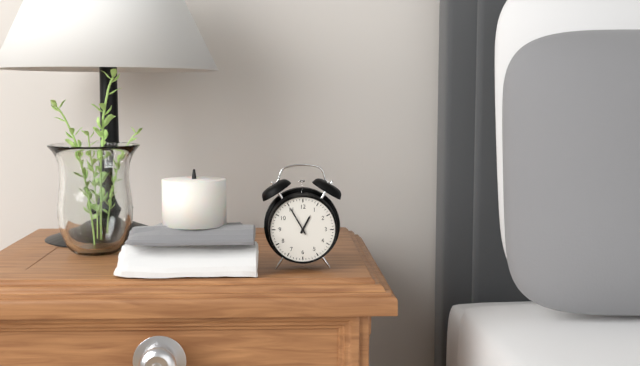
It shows 12.55
